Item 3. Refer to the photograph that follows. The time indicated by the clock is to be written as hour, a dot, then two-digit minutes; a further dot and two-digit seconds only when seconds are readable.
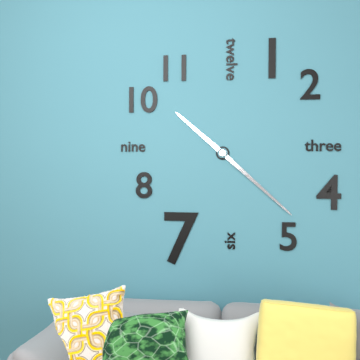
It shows 10.22
